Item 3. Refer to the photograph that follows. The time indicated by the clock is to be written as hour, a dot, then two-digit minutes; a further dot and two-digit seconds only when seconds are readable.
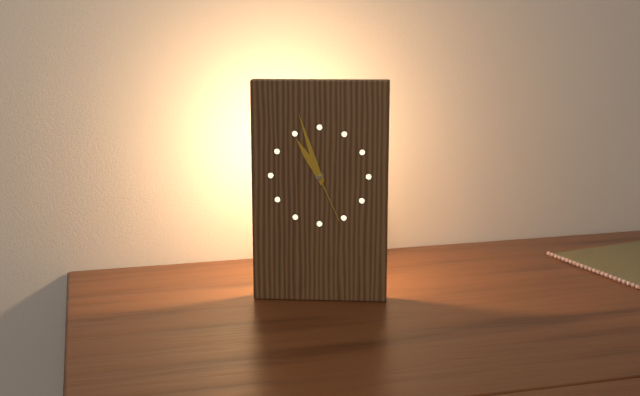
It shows 10.57.26
